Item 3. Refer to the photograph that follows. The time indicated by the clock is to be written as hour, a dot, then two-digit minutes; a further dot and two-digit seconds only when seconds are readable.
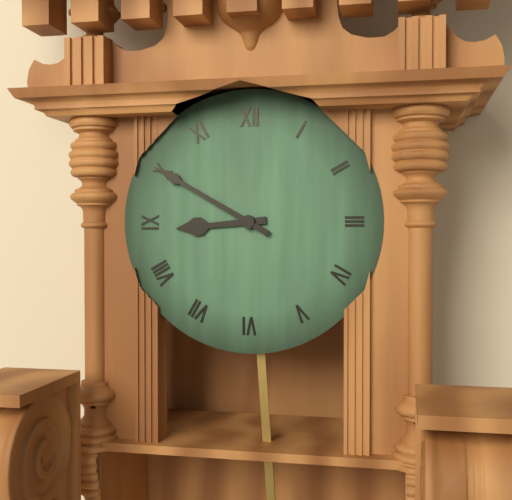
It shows 8.50
